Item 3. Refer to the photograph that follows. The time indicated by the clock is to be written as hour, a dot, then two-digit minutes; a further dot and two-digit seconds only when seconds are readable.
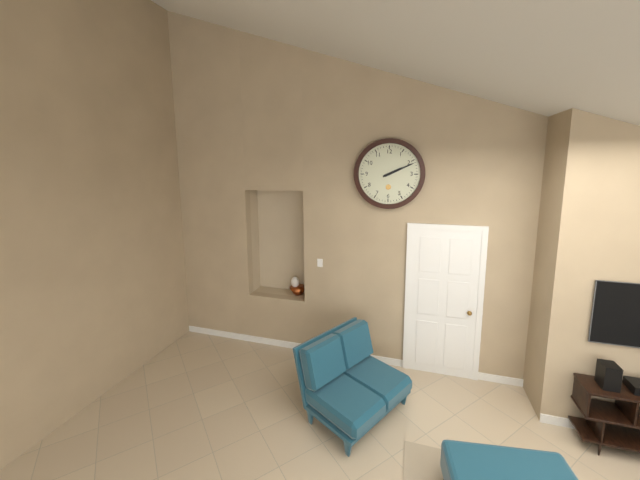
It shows 2.11
